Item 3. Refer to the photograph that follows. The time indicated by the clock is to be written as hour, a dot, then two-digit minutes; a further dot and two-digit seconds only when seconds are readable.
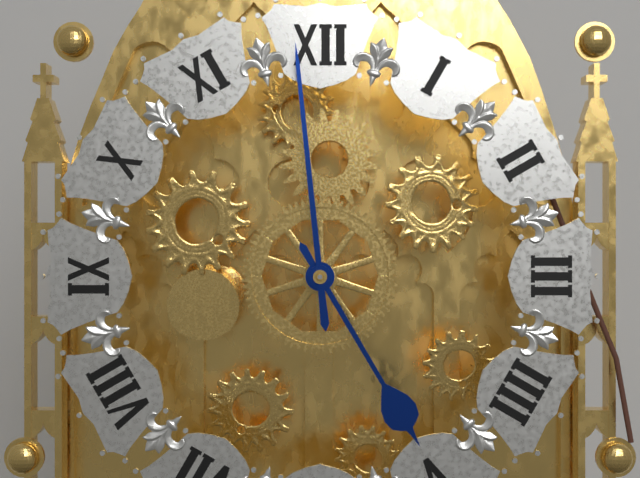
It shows 4.59
